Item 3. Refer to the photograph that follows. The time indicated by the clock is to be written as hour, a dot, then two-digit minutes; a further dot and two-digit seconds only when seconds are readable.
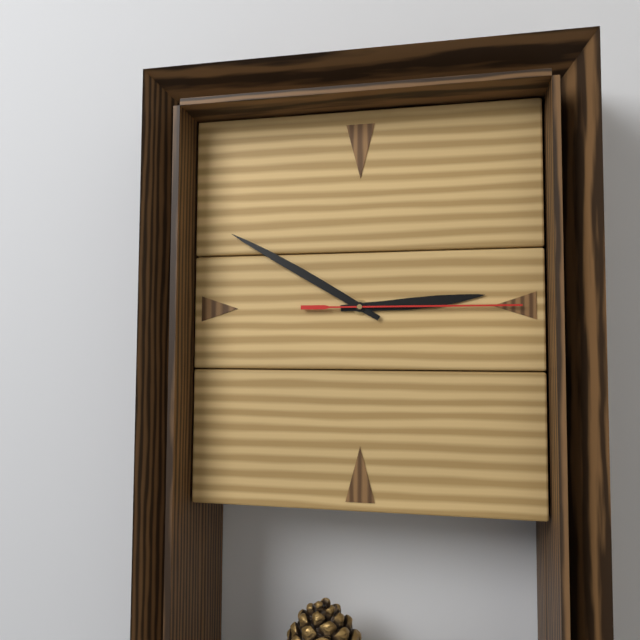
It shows 2.50.15
